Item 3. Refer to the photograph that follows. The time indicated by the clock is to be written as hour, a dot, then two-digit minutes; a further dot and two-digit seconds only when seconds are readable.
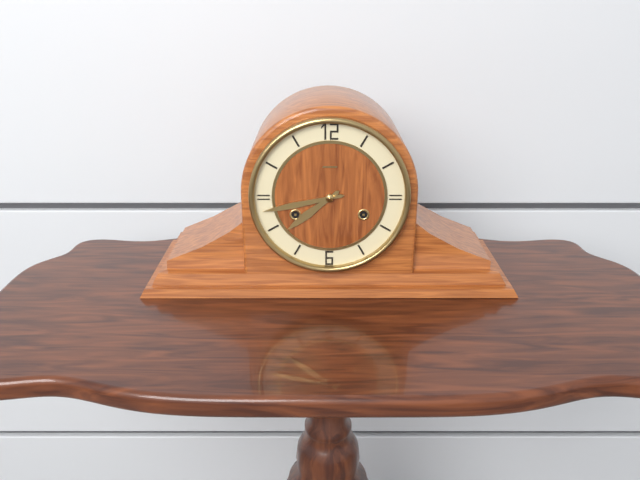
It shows 7.43
